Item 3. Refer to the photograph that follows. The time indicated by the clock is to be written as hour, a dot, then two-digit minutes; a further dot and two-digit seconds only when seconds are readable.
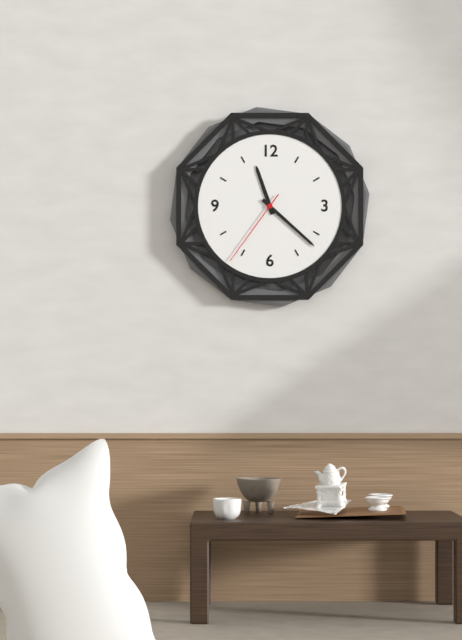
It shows 11.22.36
